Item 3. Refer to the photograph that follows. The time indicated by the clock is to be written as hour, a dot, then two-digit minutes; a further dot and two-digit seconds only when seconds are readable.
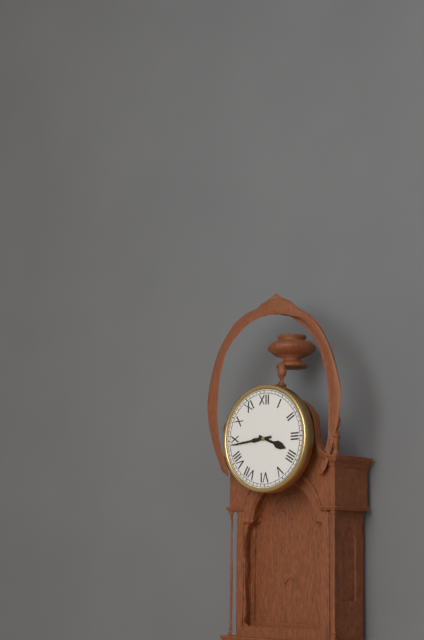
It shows 3.44
